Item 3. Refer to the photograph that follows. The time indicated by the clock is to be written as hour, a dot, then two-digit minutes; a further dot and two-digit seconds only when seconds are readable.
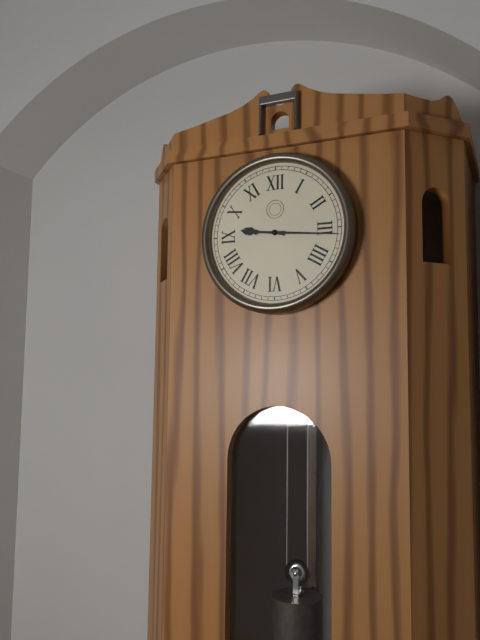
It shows 9.16
